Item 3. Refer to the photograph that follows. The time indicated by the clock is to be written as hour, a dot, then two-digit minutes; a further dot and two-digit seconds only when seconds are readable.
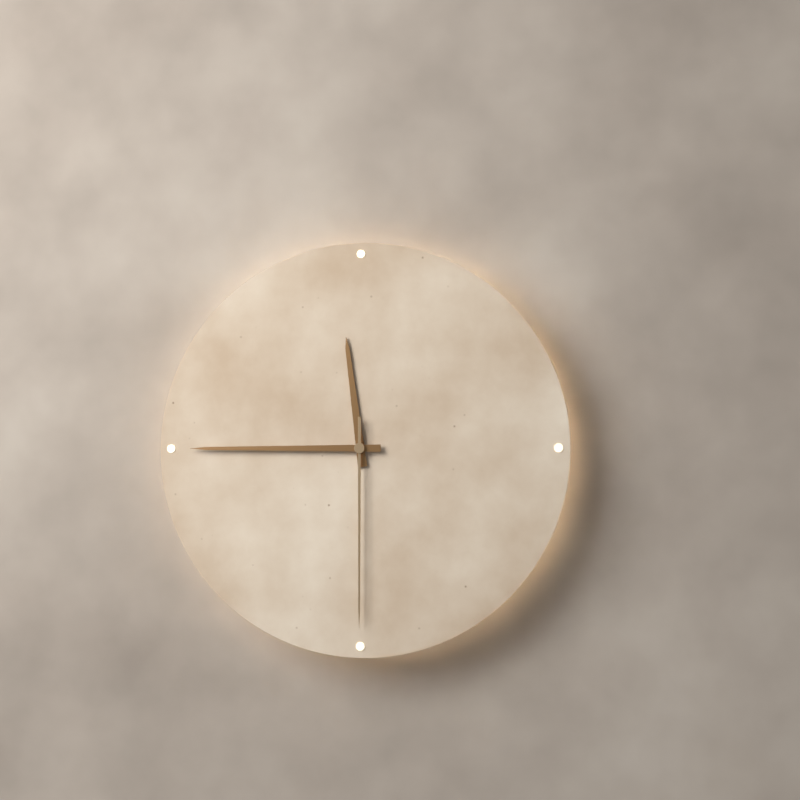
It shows 11.45.30
